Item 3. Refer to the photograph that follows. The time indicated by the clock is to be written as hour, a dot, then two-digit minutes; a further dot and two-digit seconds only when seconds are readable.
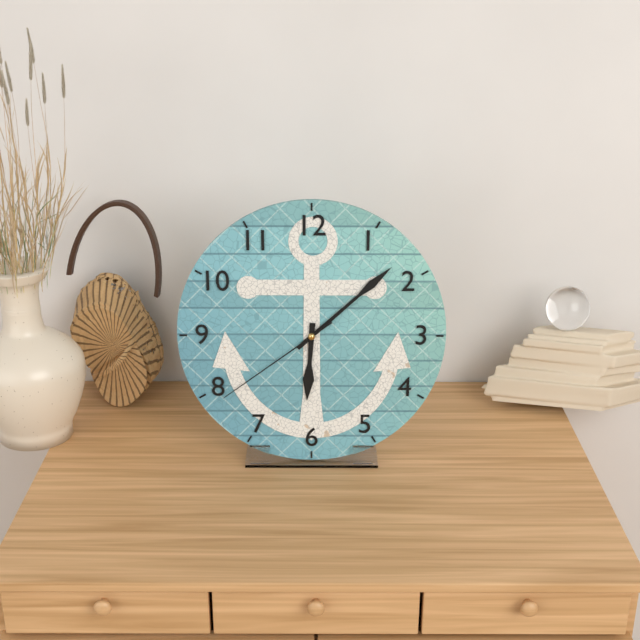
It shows 6.08.39
